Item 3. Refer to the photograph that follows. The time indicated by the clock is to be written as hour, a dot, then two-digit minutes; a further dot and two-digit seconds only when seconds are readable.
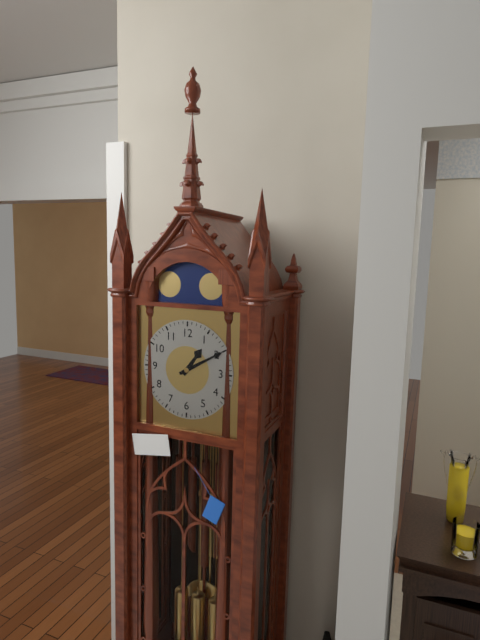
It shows 1.10
